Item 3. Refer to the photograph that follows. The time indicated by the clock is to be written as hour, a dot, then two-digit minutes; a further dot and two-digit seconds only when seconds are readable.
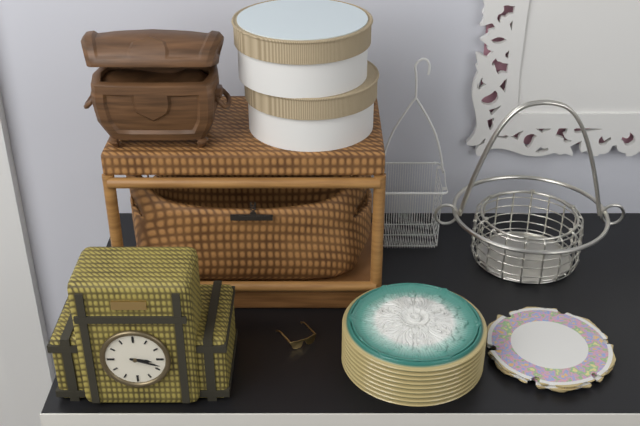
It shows 3.18
